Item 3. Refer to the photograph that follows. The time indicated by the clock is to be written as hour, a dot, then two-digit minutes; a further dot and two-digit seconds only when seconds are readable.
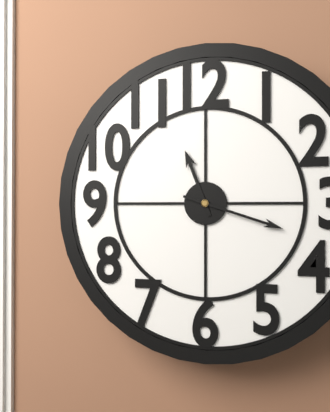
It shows 11.18
